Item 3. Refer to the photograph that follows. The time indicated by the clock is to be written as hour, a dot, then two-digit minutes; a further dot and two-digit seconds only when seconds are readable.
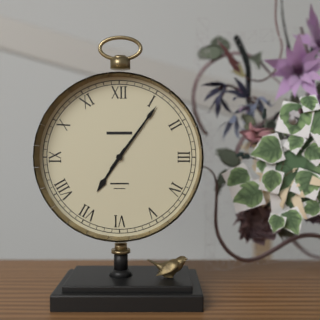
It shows 7.06
